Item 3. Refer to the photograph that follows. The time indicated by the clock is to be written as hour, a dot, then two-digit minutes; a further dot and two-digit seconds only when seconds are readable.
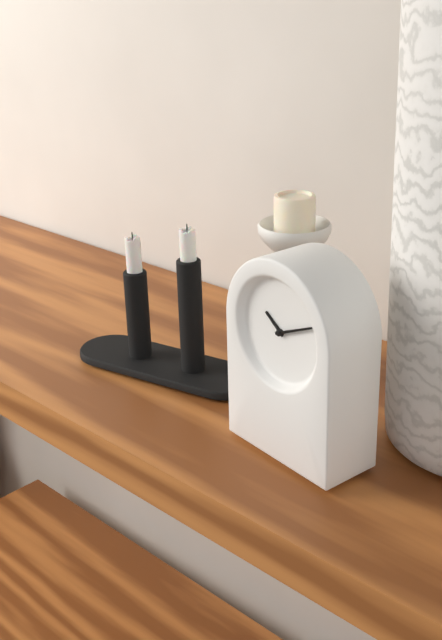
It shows 10.11
